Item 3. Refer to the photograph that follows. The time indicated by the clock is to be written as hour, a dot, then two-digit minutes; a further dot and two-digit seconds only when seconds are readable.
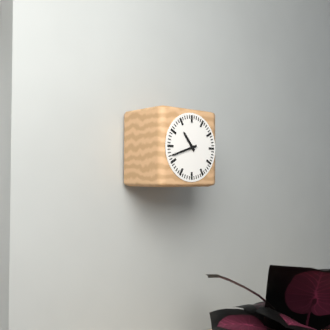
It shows 10.42
